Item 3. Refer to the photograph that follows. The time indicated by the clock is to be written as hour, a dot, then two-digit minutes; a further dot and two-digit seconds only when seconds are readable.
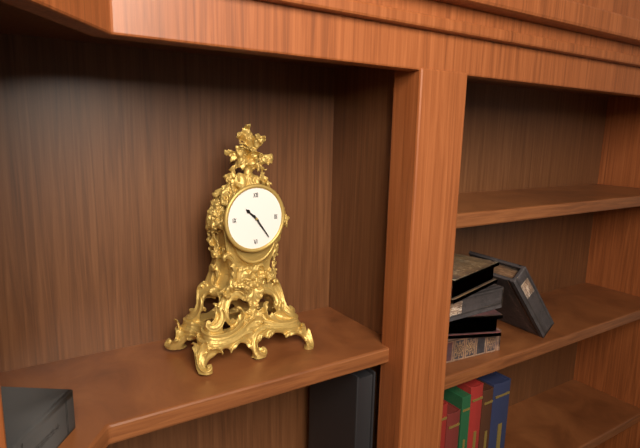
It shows 10.24
